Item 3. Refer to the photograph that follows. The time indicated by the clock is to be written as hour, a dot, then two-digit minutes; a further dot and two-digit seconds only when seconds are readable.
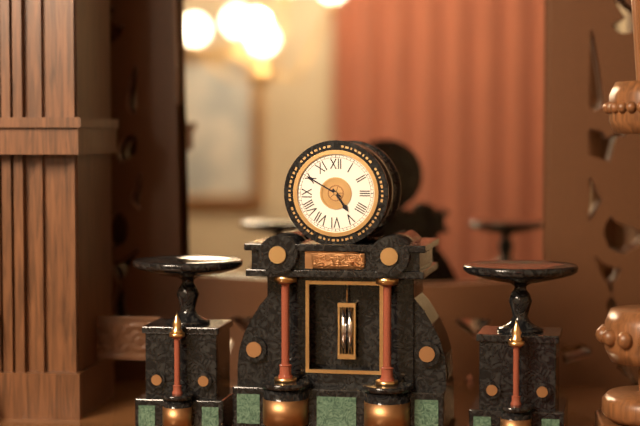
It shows 4.50
